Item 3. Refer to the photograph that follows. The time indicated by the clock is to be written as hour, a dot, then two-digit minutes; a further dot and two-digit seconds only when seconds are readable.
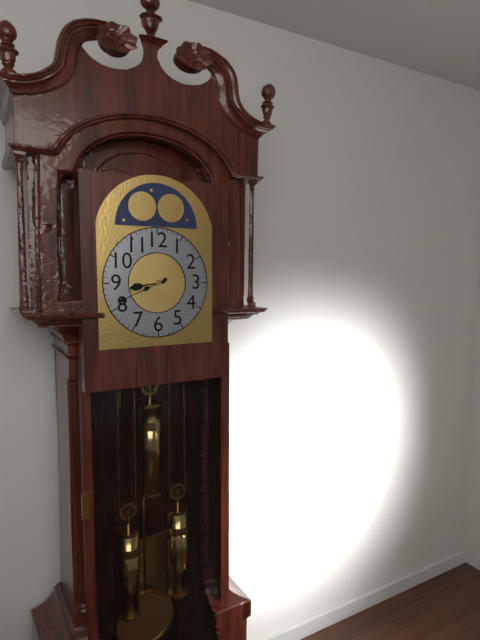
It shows 8.41
